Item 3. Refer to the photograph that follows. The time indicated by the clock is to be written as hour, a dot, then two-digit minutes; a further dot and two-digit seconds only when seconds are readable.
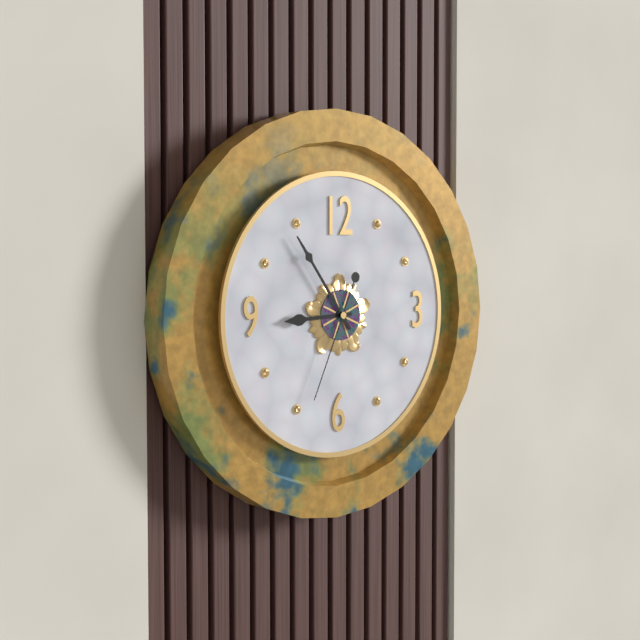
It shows 8.54.34
